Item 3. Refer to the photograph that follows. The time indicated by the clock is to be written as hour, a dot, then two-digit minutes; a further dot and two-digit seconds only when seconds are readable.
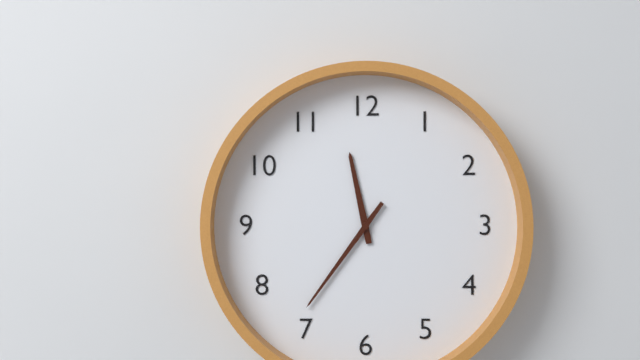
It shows 11.36
